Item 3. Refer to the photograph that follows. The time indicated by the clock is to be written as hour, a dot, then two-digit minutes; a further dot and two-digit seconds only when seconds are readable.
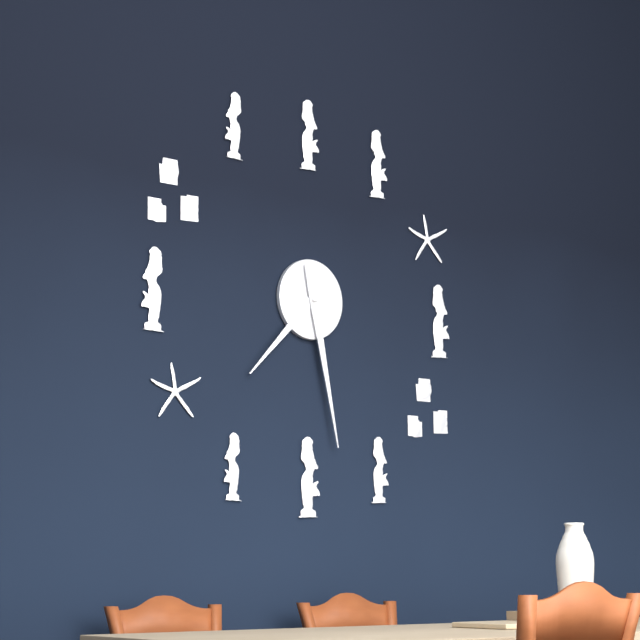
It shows 7.28
